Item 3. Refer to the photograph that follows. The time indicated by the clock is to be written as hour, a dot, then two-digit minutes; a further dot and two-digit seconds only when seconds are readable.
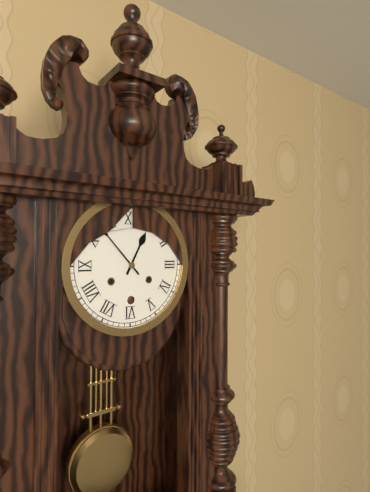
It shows 12.53
